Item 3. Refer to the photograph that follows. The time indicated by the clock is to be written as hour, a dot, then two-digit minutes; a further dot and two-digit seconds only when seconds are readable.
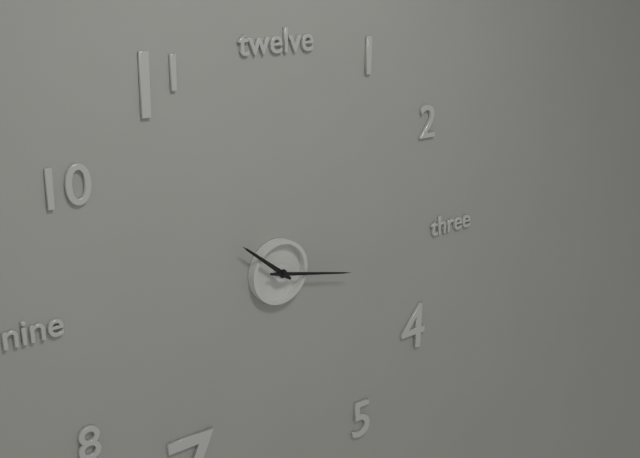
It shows 10.17
